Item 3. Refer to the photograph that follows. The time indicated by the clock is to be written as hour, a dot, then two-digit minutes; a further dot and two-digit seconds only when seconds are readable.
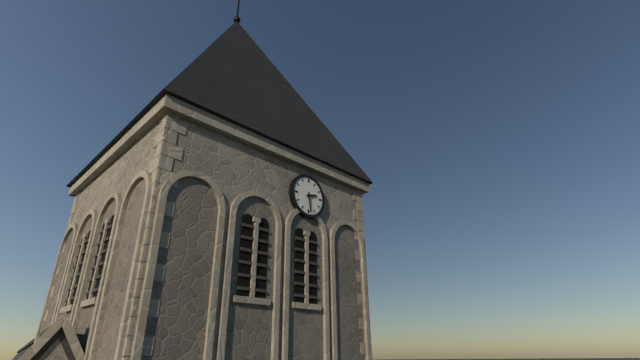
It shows 2.29
